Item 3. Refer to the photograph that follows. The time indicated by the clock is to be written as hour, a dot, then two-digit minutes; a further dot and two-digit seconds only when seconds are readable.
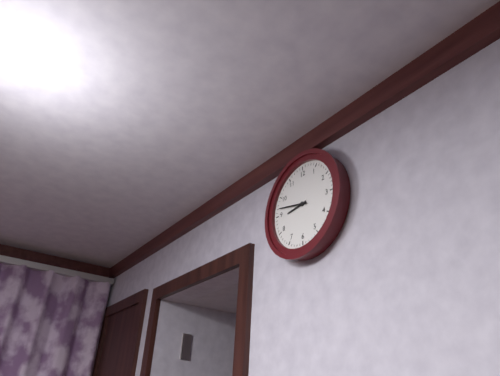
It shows 8.47
